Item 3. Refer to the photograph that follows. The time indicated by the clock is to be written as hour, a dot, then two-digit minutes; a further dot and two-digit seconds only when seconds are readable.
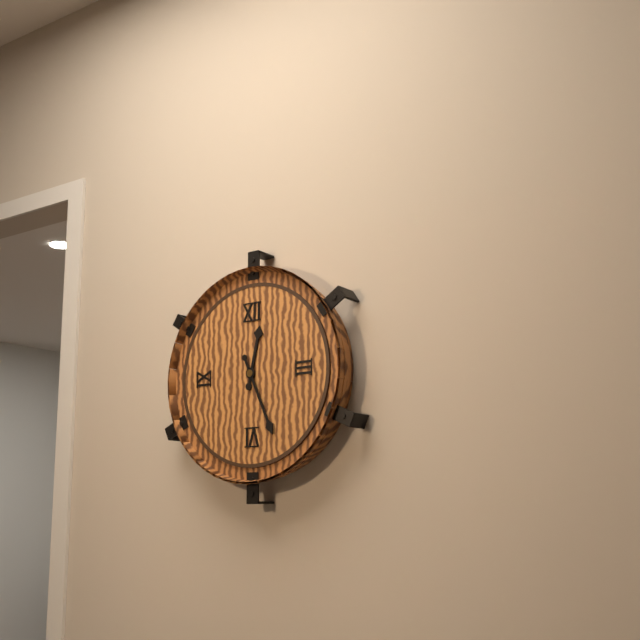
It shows 12.26
